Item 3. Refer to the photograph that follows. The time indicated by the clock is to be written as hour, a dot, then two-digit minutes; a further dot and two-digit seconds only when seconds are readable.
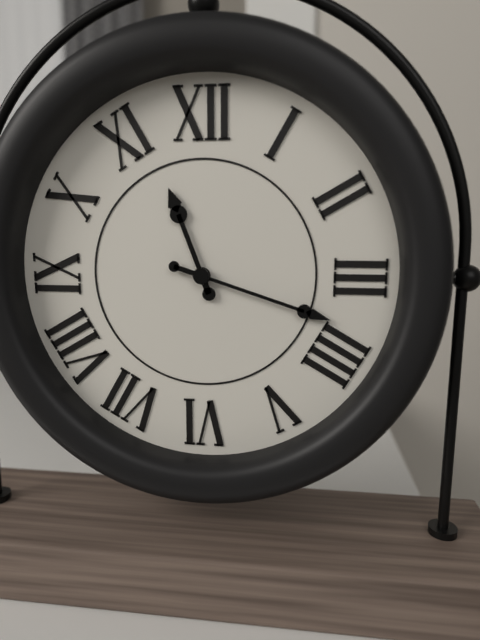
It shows 11.18
